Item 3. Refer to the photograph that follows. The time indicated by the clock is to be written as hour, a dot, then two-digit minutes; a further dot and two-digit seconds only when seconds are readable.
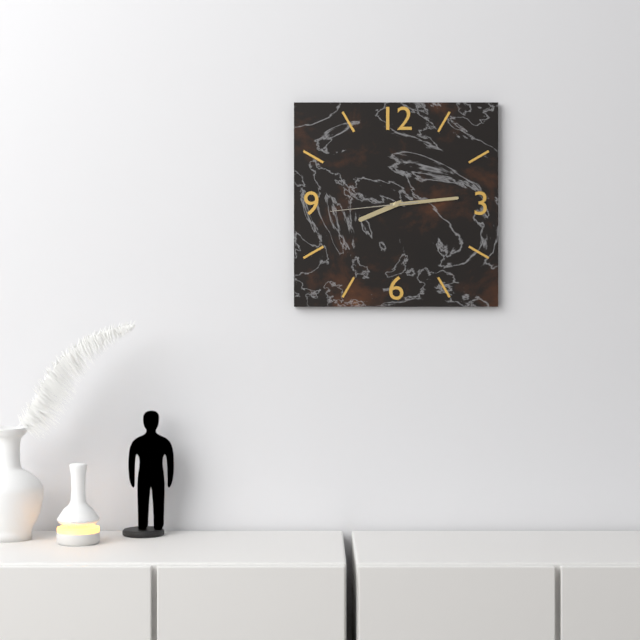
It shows 8.14.44
